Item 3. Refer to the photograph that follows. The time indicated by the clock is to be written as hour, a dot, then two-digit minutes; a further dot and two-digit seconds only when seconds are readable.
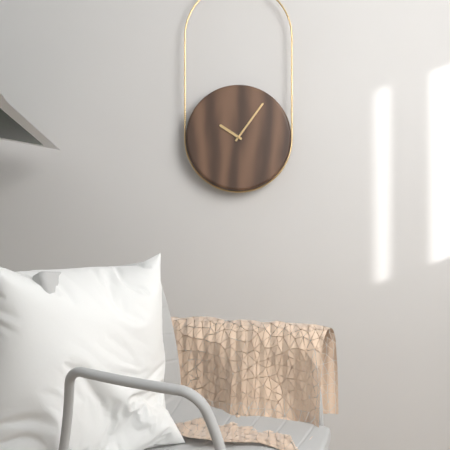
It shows 10.06
